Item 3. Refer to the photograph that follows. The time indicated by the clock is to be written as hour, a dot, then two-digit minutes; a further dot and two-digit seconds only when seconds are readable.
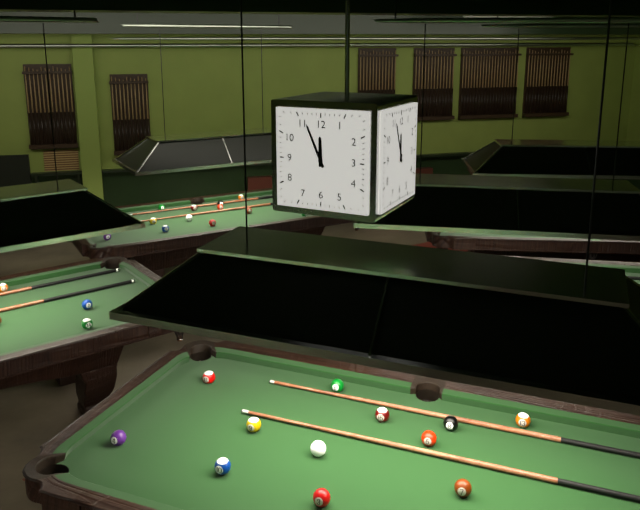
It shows 11.56
